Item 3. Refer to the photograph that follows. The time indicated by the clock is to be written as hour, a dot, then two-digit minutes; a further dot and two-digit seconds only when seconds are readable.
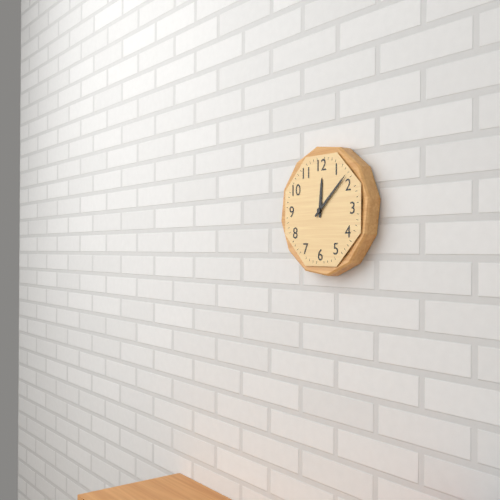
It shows 12.08
